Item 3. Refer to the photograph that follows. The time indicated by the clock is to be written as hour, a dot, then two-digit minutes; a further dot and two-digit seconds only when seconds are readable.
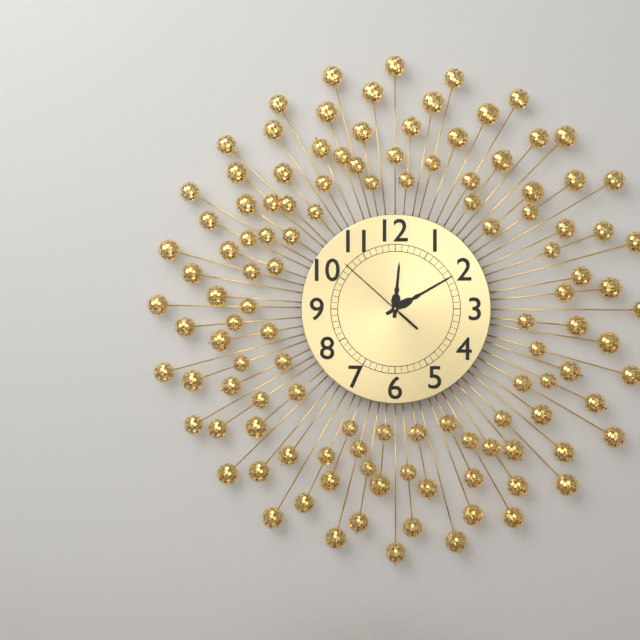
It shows 12.10.52
